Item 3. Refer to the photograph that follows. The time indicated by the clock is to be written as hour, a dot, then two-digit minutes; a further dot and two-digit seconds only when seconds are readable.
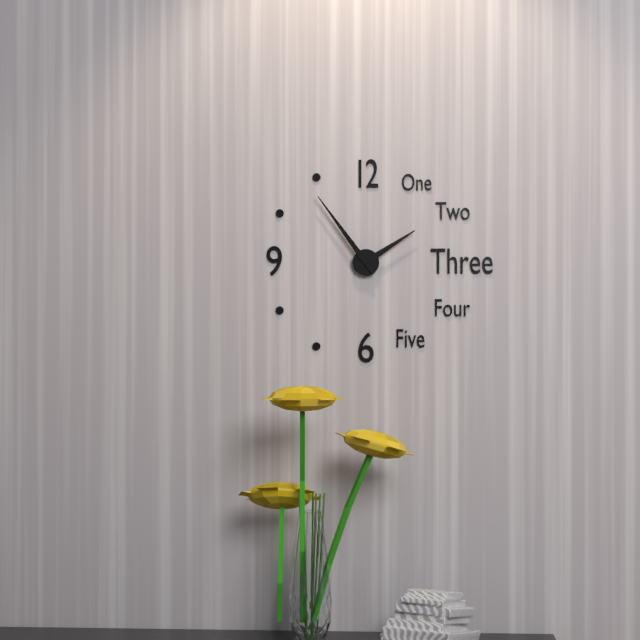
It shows 1.54
